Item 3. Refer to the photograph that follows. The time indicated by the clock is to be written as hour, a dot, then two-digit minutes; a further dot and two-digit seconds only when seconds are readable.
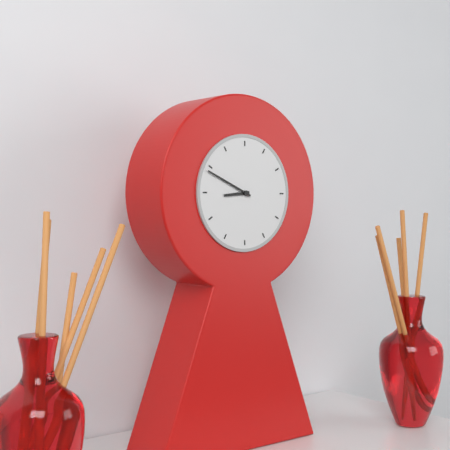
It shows 8.49
